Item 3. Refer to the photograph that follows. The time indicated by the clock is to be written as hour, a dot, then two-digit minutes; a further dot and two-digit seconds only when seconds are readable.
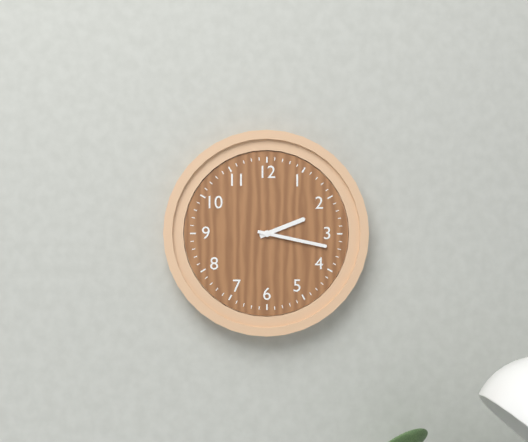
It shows 2.17
